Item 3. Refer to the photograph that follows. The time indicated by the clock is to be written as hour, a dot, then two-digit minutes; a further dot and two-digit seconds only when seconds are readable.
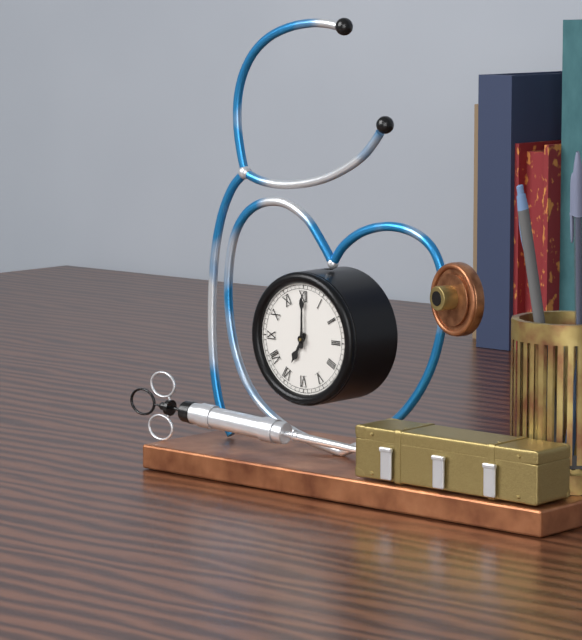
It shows 7.00
